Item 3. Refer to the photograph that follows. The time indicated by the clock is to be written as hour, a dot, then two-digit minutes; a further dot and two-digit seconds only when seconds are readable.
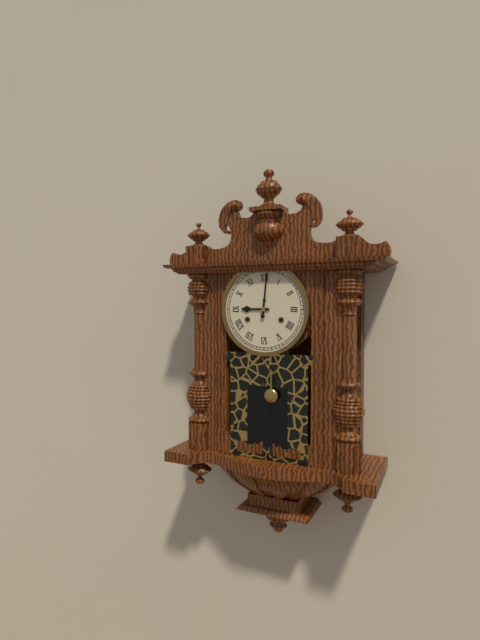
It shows 9.01
